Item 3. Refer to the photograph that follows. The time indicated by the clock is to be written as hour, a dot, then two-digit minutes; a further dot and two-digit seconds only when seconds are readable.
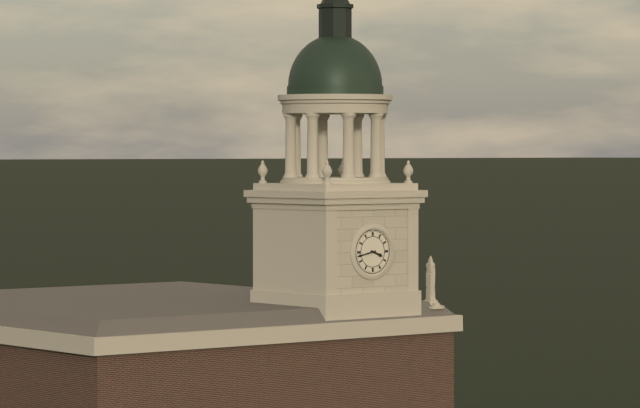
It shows 3.43
